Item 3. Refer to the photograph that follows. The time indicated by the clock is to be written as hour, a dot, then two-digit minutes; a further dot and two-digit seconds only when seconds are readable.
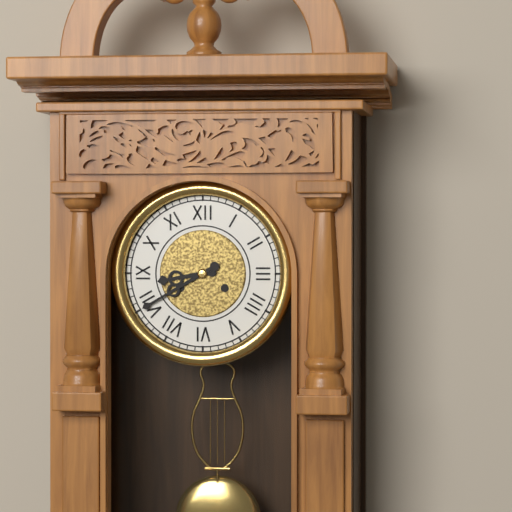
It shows 8.40
